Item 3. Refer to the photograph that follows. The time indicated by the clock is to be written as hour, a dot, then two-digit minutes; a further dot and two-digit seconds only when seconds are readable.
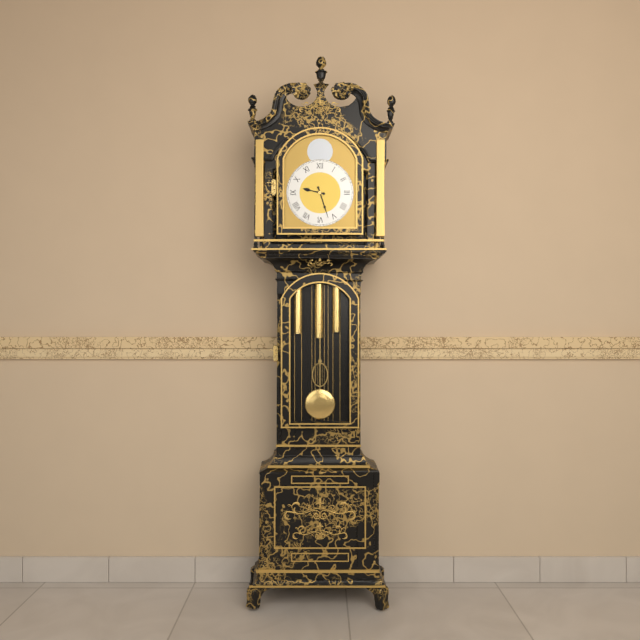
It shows 9.27
